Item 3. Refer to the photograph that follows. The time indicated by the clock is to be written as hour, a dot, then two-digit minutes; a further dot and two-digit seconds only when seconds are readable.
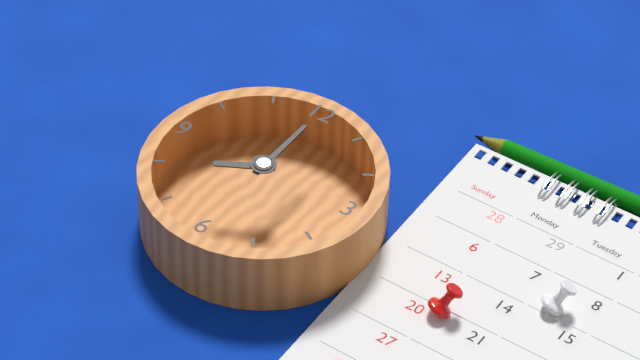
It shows 8.00
